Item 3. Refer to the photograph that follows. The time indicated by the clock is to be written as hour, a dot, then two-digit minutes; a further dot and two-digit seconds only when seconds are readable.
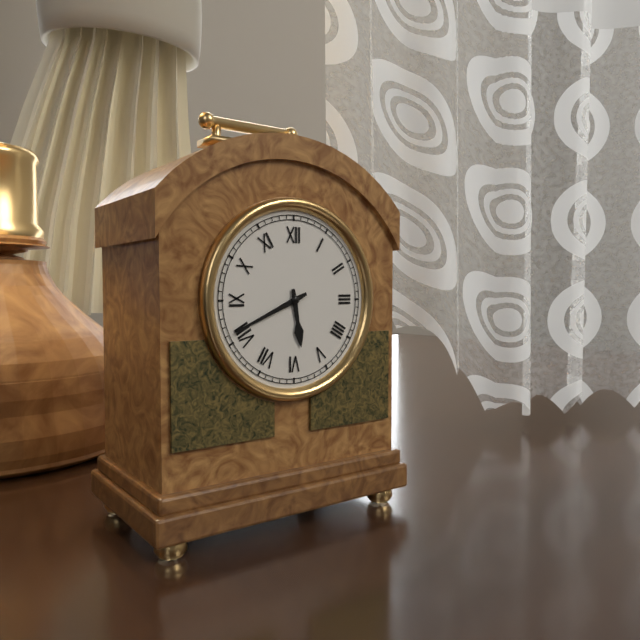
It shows 5.41
